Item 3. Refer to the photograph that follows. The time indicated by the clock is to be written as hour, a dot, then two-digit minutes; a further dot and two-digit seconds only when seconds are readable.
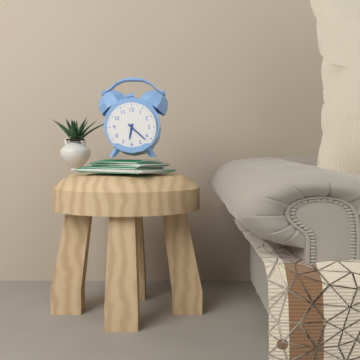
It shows 6.22
